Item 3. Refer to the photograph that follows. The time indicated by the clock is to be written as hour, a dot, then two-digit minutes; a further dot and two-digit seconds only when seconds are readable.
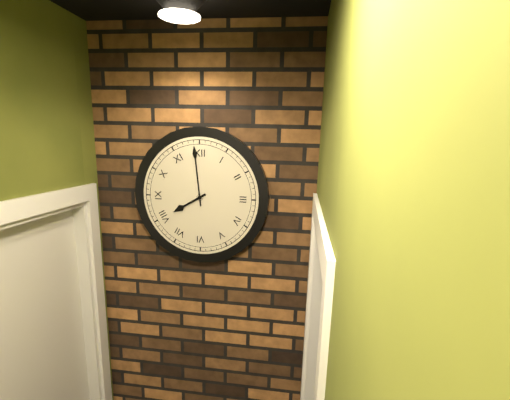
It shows 7.59
